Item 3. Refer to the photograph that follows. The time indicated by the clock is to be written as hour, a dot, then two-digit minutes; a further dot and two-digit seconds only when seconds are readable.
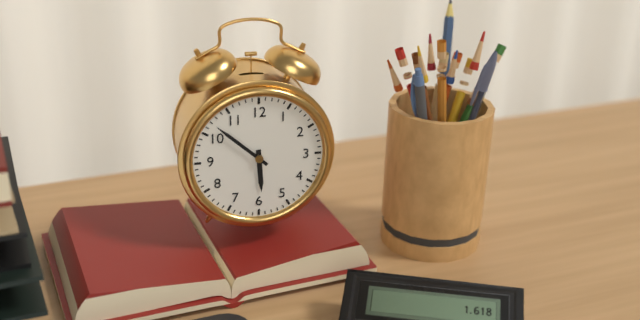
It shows 5.52
